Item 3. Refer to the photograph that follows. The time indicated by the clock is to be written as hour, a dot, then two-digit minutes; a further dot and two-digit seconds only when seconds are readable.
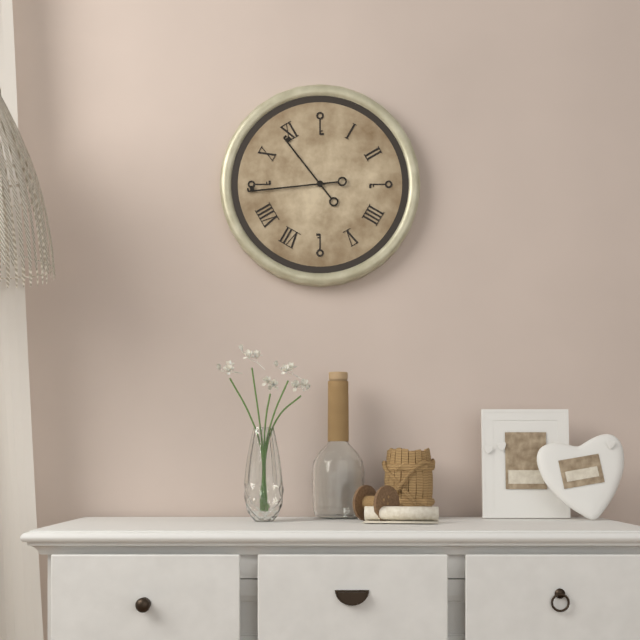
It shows 10.44
